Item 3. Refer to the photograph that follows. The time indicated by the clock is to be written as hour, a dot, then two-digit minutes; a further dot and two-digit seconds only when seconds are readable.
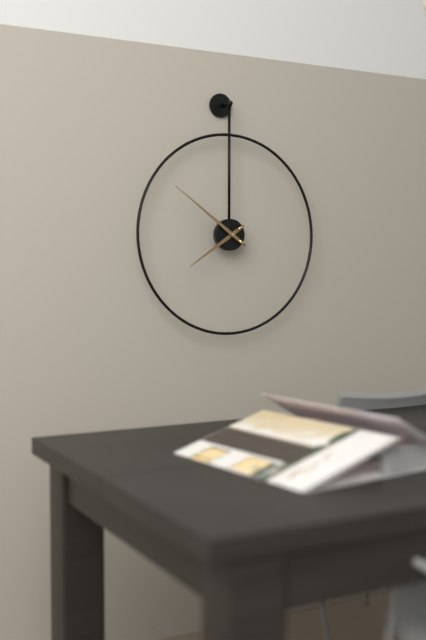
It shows 7.51
